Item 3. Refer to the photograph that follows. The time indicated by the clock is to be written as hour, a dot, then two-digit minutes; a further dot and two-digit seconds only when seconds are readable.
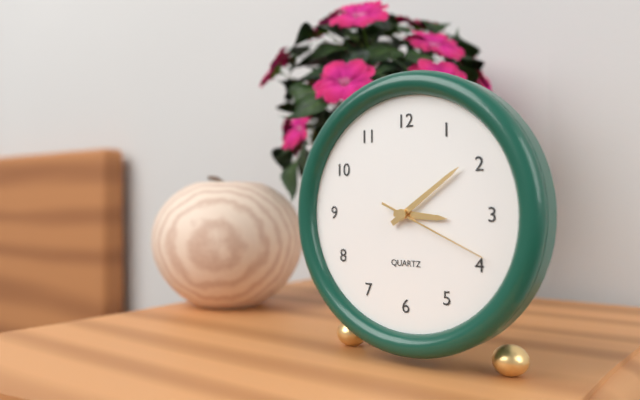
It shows 3.09.19
